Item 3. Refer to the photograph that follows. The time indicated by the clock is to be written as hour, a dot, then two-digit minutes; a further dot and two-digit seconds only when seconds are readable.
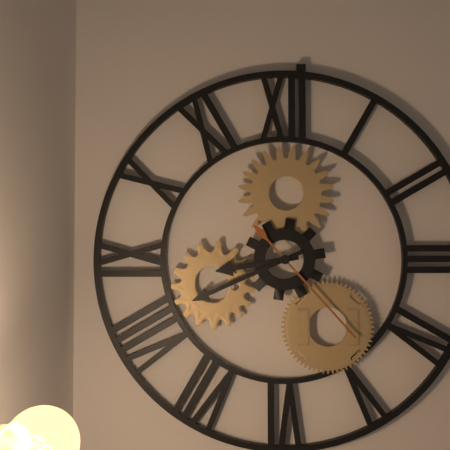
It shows 8.41.23
